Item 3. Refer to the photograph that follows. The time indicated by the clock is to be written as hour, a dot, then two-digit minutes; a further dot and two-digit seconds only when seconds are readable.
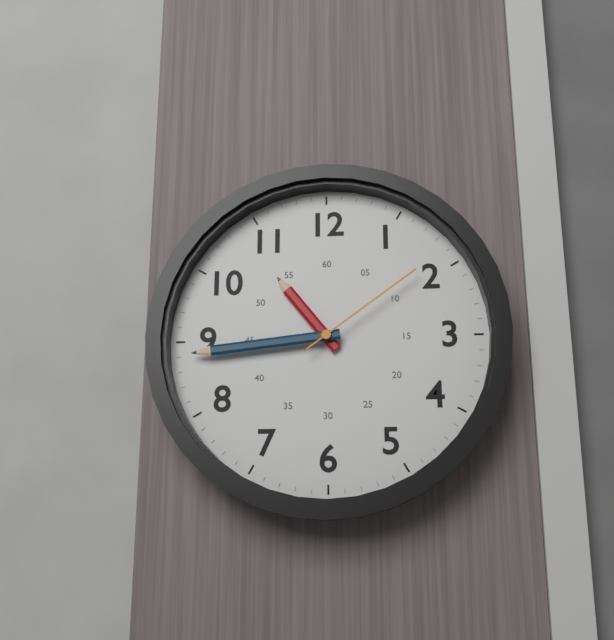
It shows 10.44.09
